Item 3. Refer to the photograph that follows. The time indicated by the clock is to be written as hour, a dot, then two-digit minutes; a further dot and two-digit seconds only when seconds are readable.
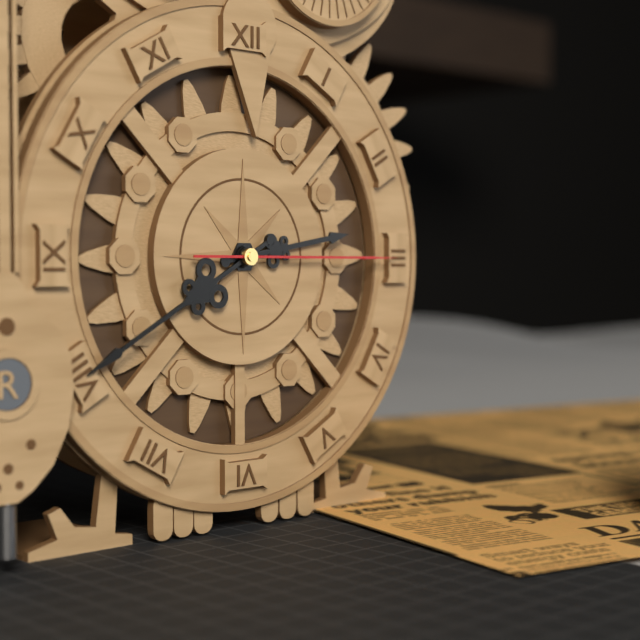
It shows 2.40.15
